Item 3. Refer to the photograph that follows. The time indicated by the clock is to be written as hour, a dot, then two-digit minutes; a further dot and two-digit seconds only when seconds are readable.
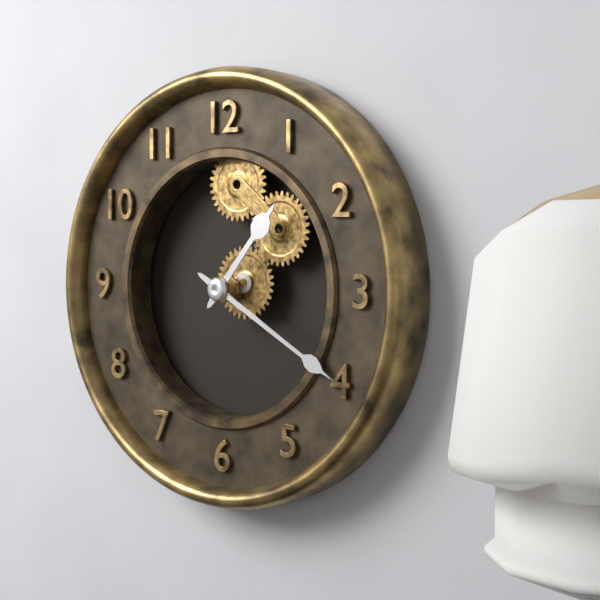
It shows 1.20
